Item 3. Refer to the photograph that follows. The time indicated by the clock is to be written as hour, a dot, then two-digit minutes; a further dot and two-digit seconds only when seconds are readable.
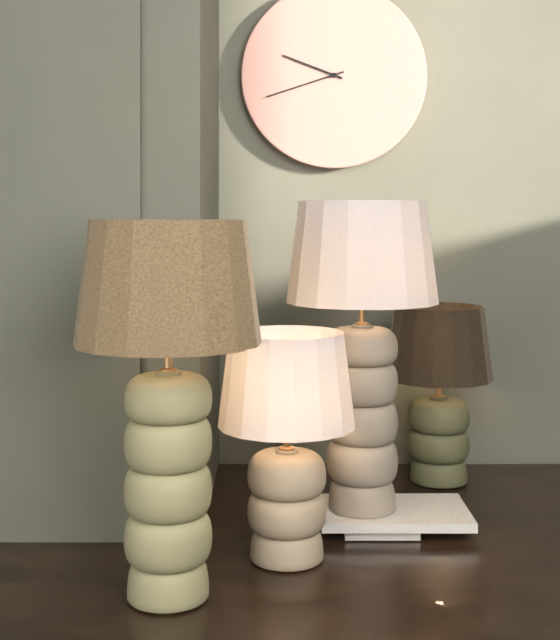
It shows 9.42
